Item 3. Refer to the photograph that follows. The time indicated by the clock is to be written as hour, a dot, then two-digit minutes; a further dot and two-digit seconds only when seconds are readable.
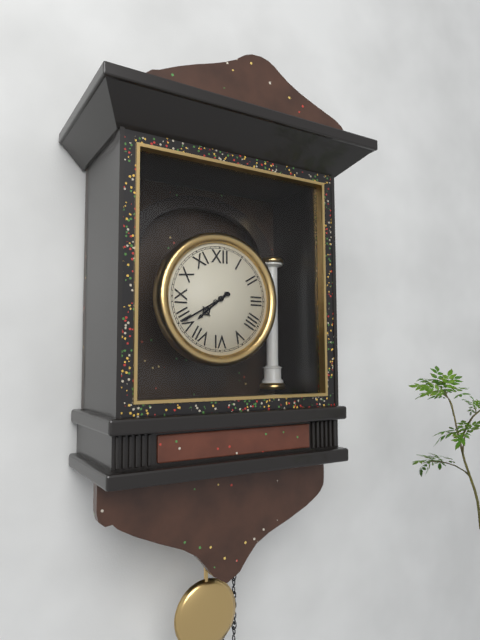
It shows 7.40
